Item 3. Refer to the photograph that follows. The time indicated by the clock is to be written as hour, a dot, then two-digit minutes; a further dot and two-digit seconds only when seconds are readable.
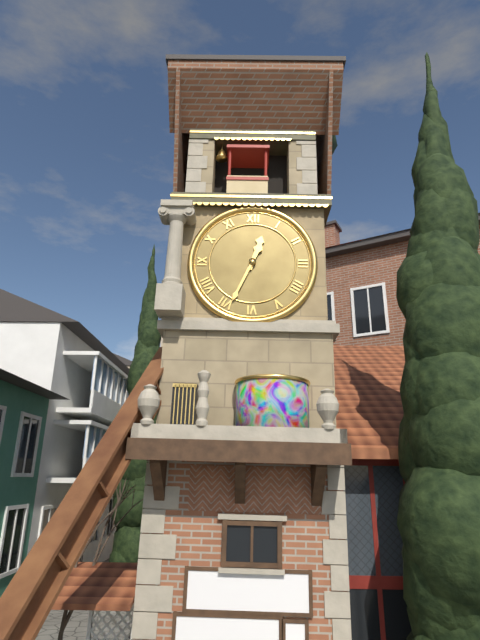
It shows 12.34
